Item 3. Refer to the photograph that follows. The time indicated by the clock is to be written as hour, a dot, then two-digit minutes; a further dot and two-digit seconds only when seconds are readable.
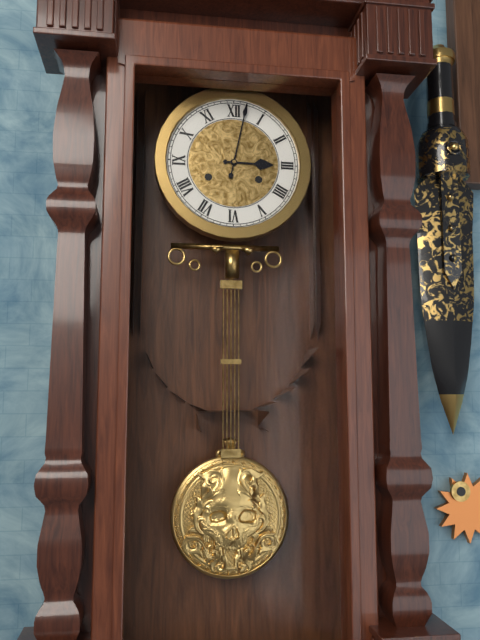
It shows 3.02
